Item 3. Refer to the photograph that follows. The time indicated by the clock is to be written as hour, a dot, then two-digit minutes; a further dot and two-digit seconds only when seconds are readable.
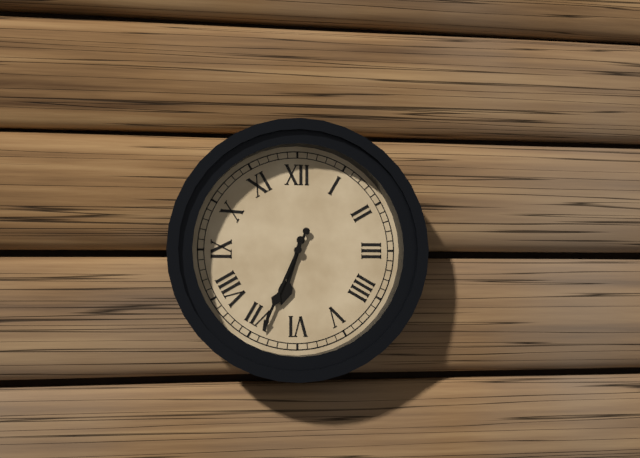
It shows 6.34
